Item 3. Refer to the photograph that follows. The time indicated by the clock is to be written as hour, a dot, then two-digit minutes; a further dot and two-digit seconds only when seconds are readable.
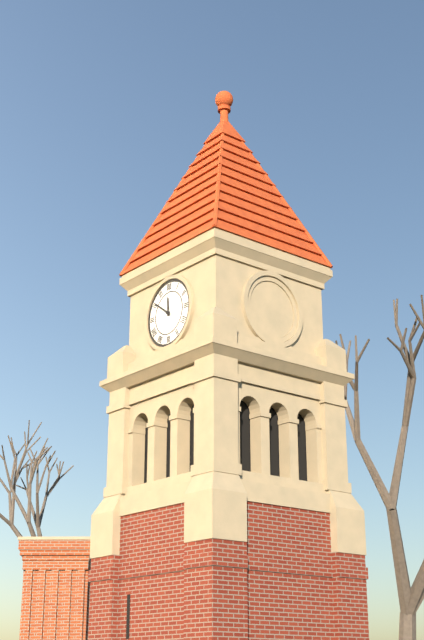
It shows 11.51
